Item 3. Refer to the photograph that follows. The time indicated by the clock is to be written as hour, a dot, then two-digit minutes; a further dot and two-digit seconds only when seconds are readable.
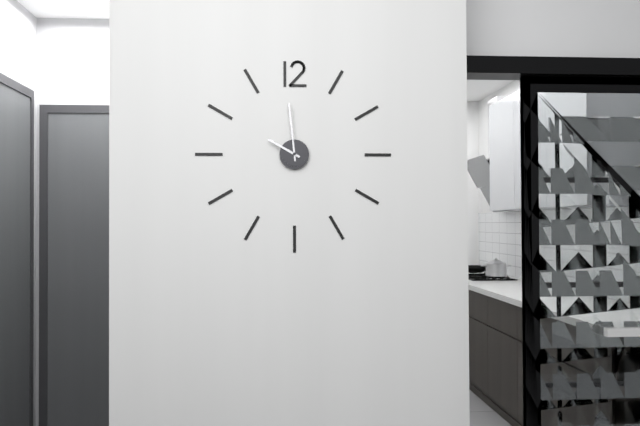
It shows 9.59
